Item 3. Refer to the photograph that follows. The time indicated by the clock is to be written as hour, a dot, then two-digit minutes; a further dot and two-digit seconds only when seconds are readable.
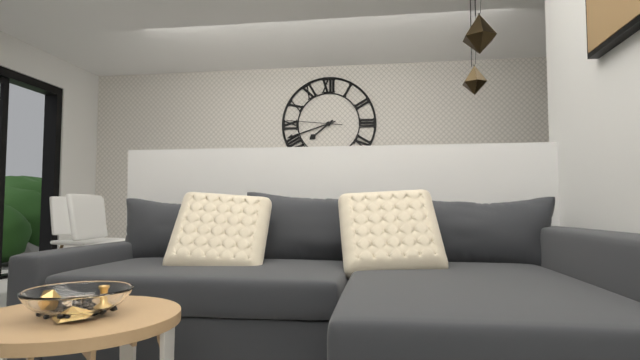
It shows 7.42.46
